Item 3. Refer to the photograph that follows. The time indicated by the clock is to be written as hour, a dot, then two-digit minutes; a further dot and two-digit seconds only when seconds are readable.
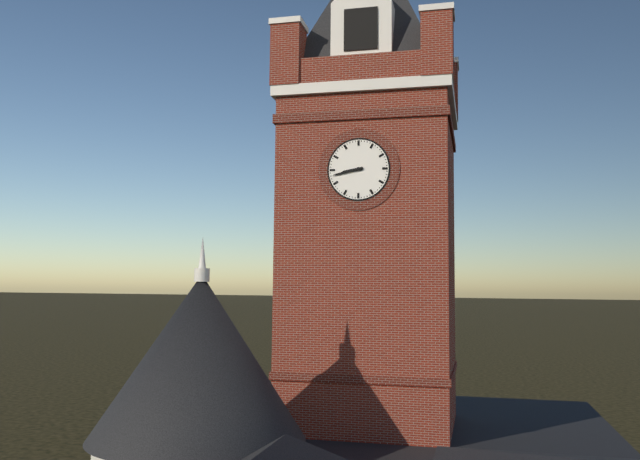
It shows 8.43
